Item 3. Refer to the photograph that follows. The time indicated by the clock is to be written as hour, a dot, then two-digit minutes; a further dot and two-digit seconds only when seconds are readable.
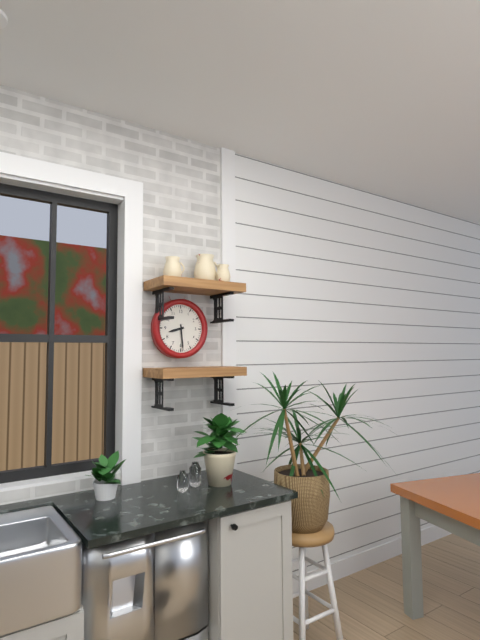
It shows 8.29
